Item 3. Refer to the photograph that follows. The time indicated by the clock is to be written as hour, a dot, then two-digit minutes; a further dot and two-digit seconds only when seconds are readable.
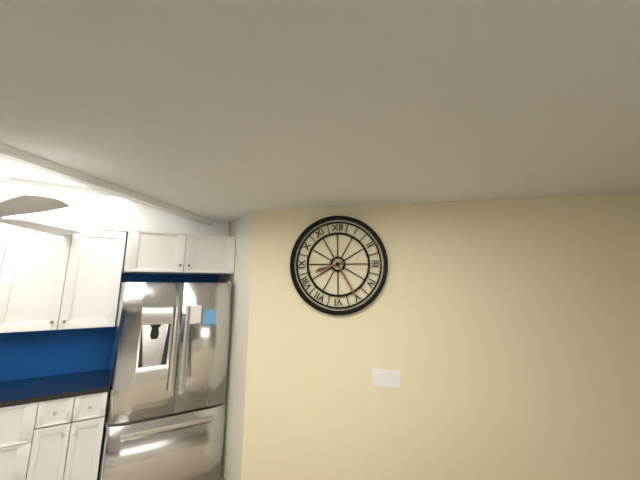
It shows 8.25
